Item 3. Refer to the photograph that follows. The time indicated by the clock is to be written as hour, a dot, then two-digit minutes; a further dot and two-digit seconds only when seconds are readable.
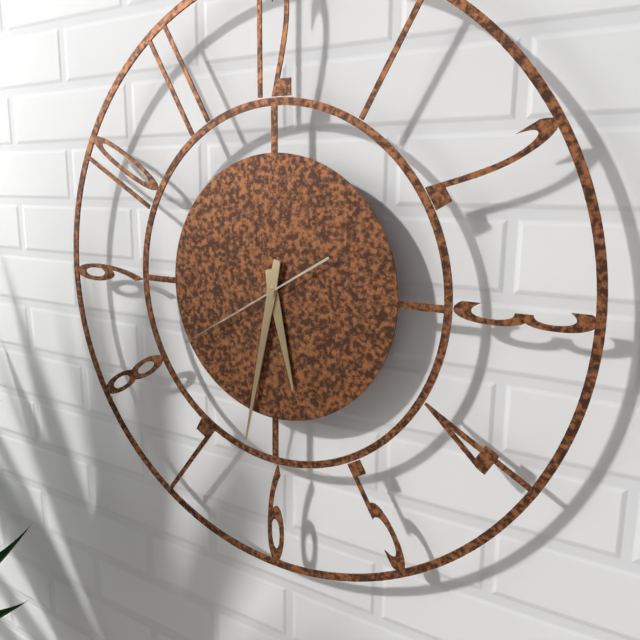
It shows 5.32.40
